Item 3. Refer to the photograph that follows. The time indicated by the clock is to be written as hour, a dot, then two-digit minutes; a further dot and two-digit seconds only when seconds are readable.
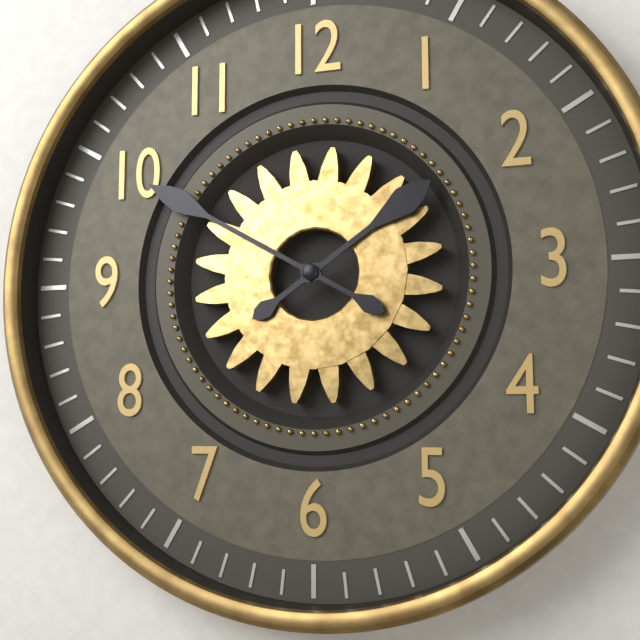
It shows 1.50
